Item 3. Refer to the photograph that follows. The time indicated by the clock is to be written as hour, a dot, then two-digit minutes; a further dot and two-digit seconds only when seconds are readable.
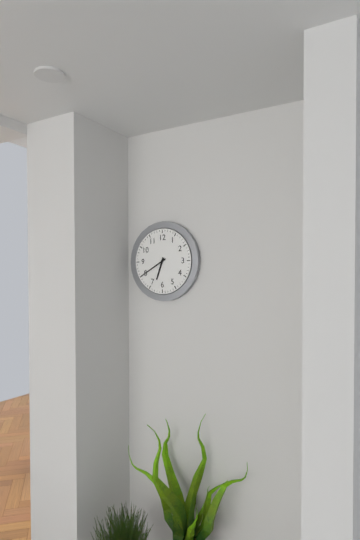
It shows 6.40
